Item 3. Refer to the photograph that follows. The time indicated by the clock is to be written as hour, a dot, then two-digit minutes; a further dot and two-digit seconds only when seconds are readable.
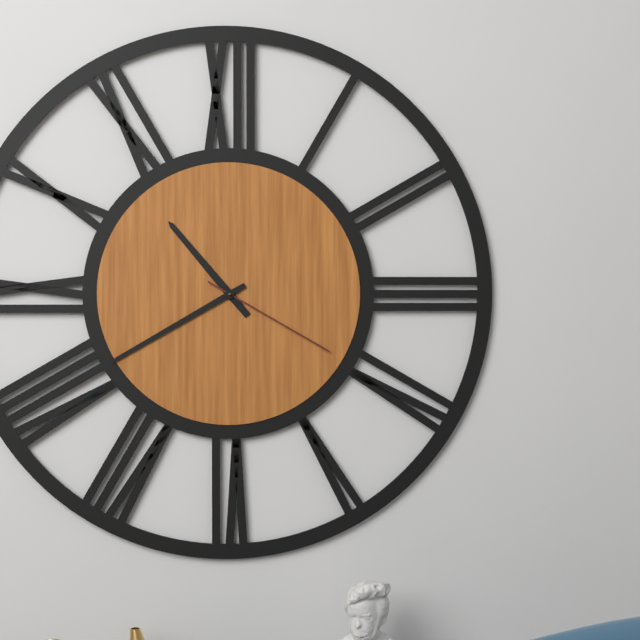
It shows 10.40.20
